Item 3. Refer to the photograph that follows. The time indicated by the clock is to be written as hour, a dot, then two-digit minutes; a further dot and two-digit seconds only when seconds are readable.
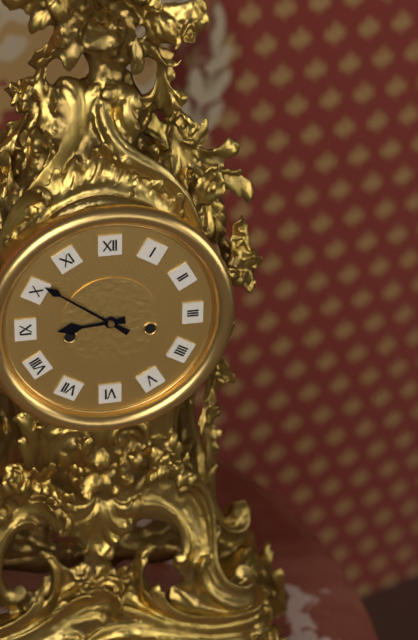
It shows 8.51
